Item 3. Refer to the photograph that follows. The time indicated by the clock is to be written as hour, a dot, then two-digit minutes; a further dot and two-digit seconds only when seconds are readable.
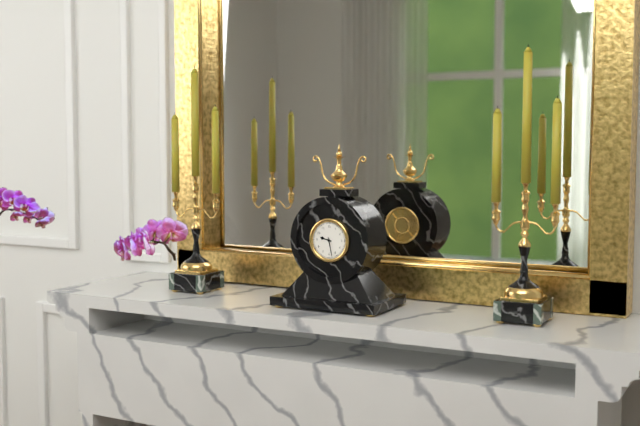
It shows 9.28
